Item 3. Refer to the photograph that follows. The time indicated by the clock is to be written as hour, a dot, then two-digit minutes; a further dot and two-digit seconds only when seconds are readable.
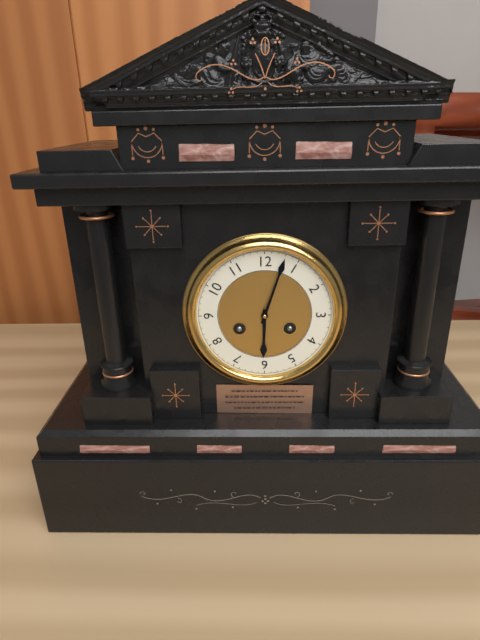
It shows 6.03
